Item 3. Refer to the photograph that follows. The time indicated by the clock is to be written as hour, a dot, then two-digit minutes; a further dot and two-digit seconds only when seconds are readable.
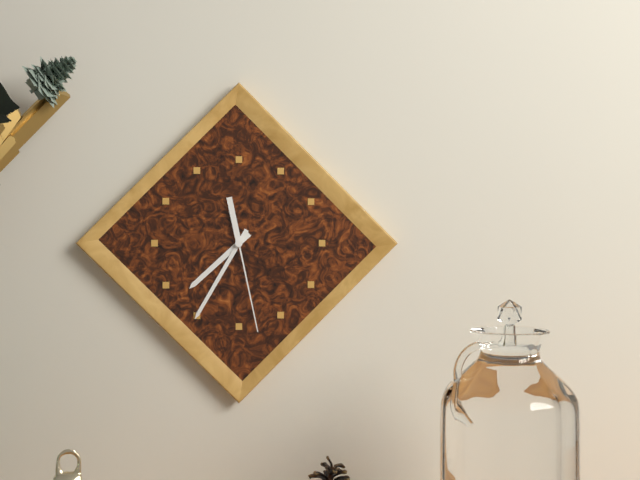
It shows 7.35.28
